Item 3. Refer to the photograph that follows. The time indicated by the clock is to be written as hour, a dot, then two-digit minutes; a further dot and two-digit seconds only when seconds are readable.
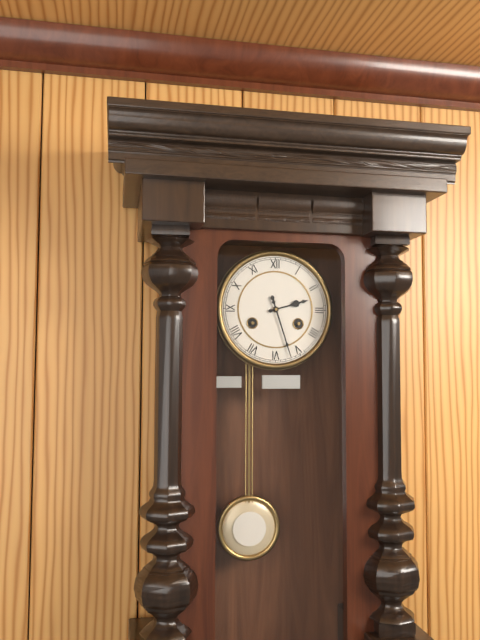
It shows 2.27
